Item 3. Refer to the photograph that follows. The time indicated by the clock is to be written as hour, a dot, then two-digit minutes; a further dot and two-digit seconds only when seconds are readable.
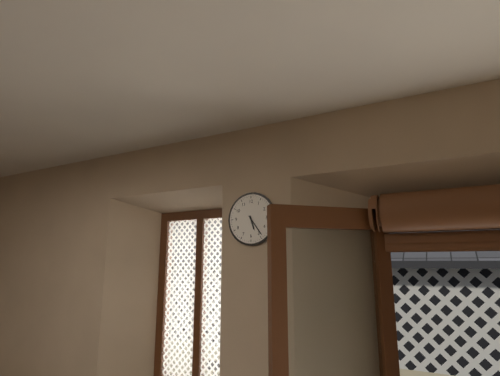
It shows 5.24
